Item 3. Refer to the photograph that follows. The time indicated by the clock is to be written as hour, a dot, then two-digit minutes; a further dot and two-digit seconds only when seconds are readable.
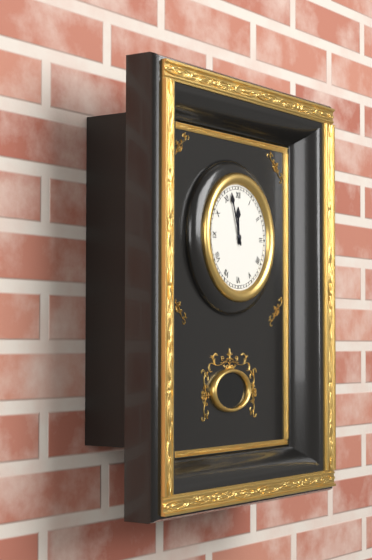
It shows 11.57
